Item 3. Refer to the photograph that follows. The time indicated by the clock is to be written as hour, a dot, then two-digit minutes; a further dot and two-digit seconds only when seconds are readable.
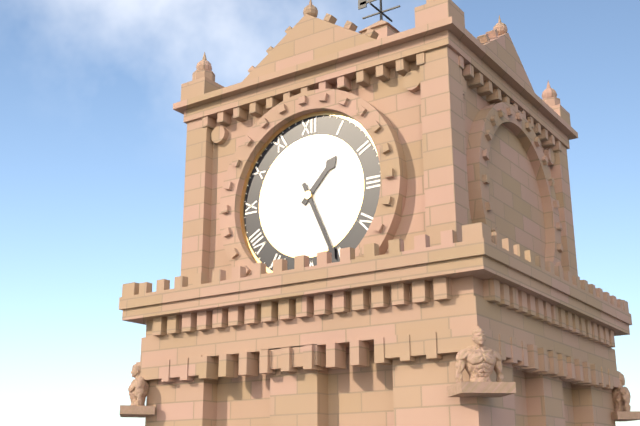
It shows 1.26
